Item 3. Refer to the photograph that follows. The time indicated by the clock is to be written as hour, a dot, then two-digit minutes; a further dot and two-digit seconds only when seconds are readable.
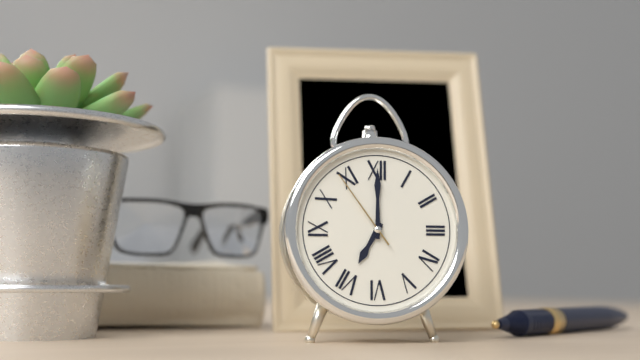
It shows 7.00.54
